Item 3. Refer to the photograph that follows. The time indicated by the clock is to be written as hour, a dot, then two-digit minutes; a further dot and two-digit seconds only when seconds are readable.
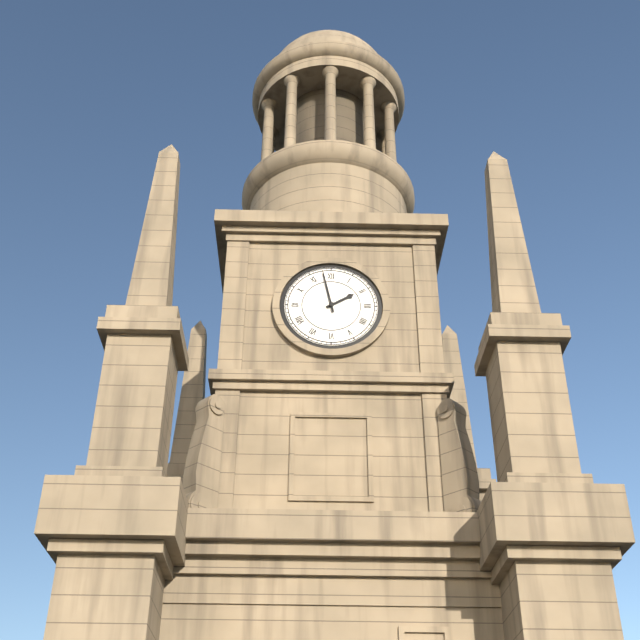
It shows 1.58
